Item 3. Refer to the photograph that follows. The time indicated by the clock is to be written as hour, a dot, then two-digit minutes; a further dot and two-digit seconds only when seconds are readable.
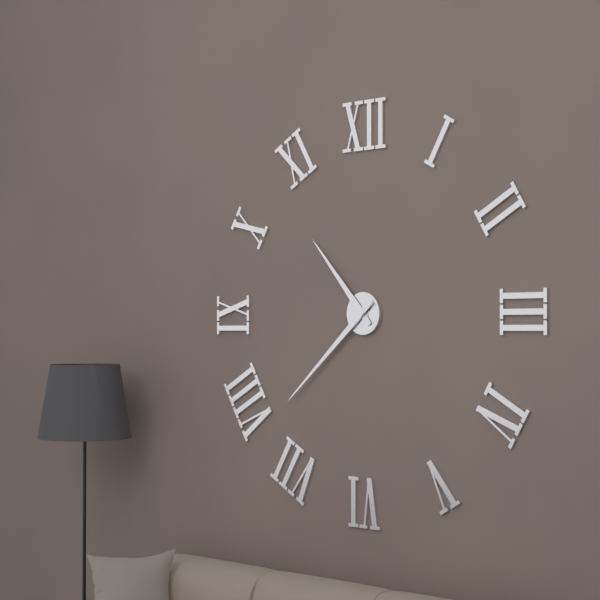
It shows 10.38
